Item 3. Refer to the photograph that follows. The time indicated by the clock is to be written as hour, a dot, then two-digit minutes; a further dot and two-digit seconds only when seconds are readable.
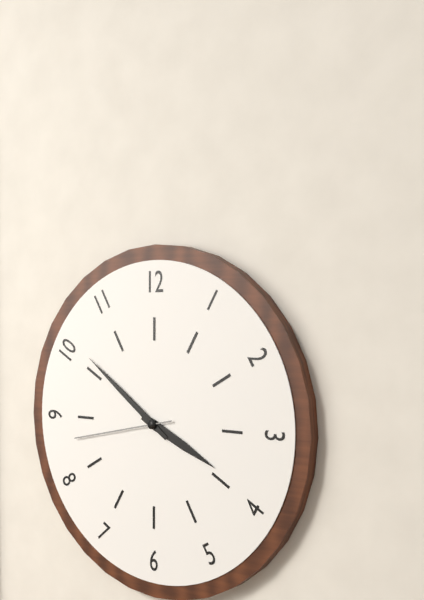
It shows 3.51.43
